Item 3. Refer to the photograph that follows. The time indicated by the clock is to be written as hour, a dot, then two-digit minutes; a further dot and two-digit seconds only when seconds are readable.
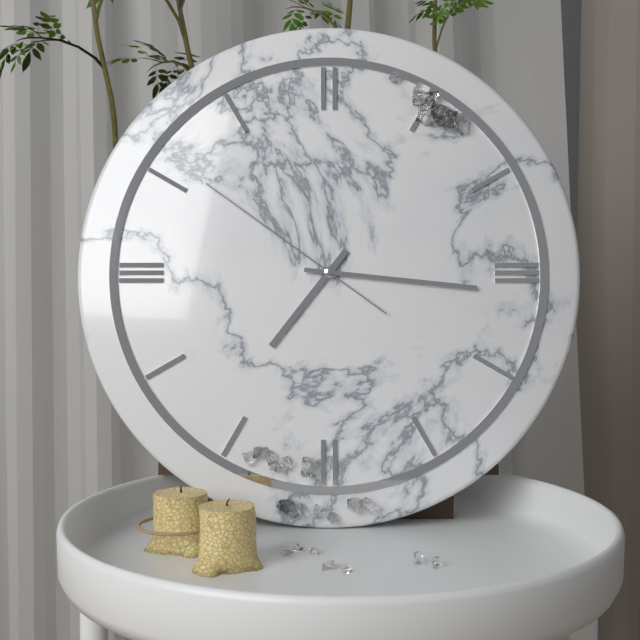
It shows 7.16.51
